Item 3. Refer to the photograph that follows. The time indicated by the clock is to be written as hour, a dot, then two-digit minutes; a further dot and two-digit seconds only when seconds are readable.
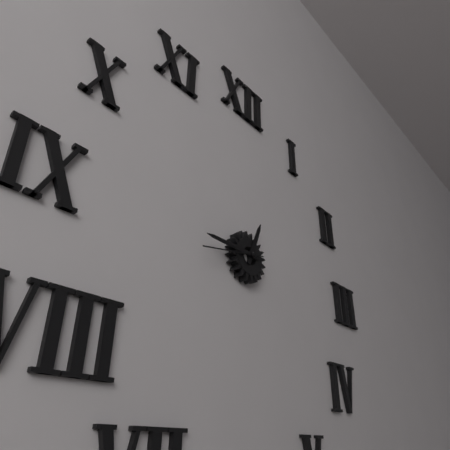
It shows 12.45.43
